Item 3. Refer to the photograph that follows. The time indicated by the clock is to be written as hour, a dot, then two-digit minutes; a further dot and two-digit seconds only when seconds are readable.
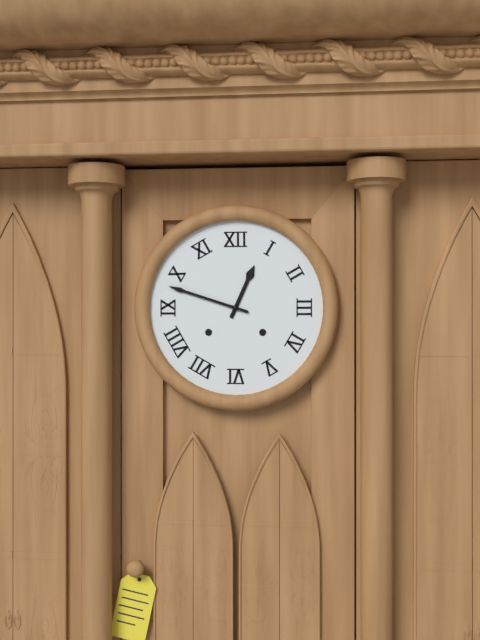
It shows 12.48
